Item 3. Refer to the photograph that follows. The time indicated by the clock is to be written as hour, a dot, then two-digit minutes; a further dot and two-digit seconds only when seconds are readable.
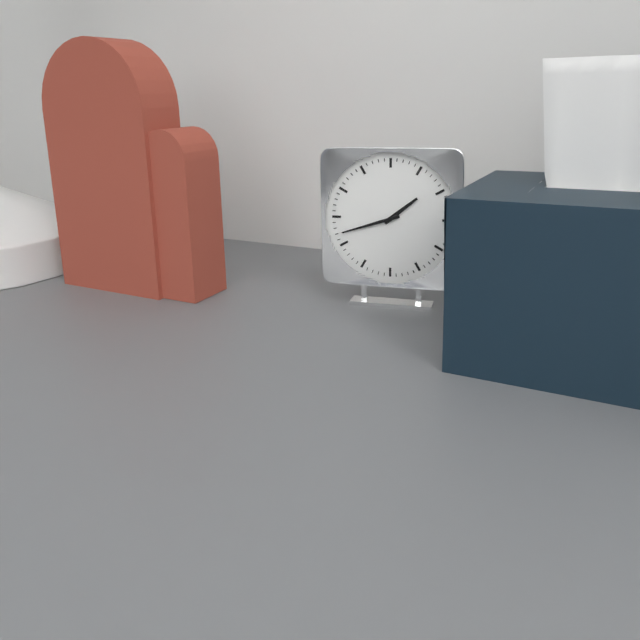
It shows 1.42
